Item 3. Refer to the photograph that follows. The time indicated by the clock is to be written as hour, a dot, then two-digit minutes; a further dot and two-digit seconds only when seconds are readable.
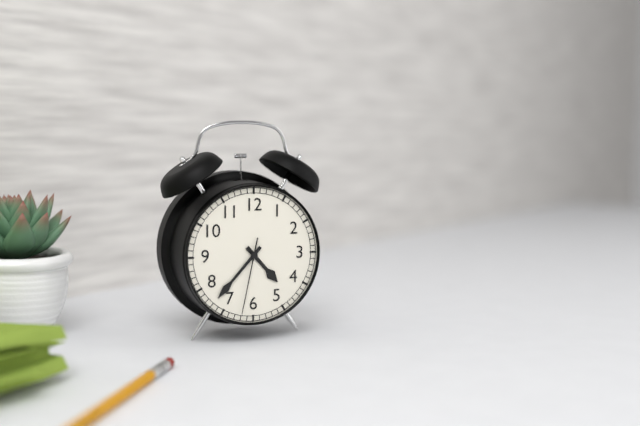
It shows 4.37.32
